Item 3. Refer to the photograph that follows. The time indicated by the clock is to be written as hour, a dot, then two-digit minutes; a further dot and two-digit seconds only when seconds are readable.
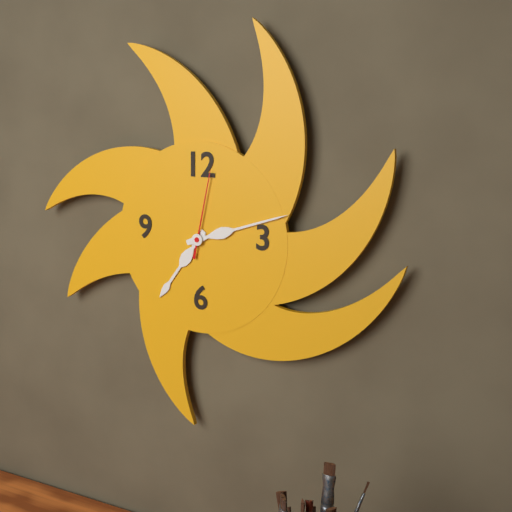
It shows 7.12.02
